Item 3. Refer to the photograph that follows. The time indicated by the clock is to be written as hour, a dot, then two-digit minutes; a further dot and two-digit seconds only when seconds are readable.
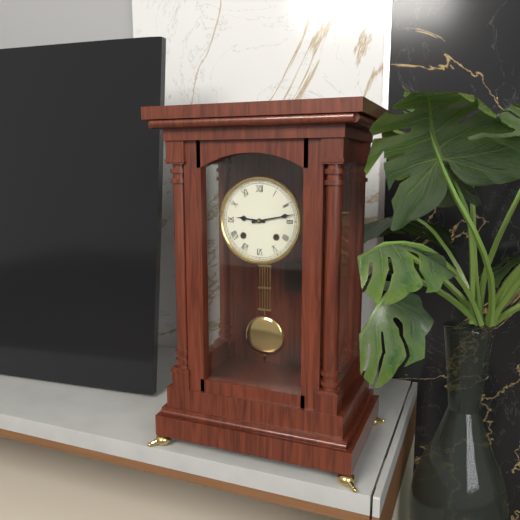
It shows 9.13
